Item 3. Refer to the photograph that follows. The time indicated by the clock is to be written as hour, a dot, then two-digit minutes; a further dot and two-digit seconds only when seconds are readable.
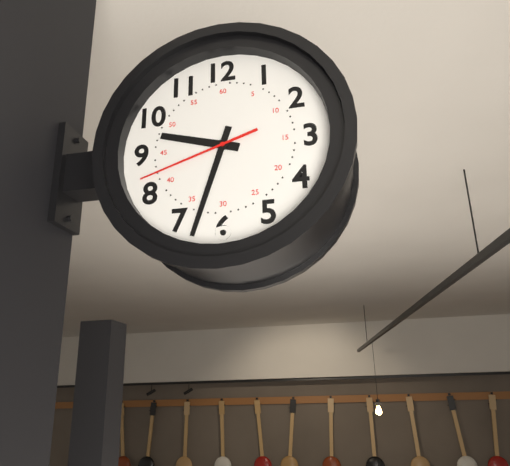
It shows 9.33.42
